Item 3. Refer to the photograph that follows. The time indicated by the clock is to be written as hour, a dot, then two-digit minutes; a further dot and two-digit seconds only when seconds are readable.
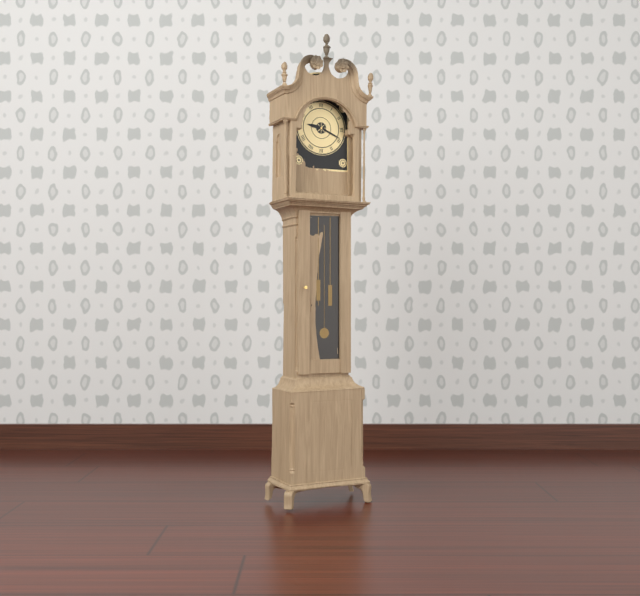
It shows 9.19
